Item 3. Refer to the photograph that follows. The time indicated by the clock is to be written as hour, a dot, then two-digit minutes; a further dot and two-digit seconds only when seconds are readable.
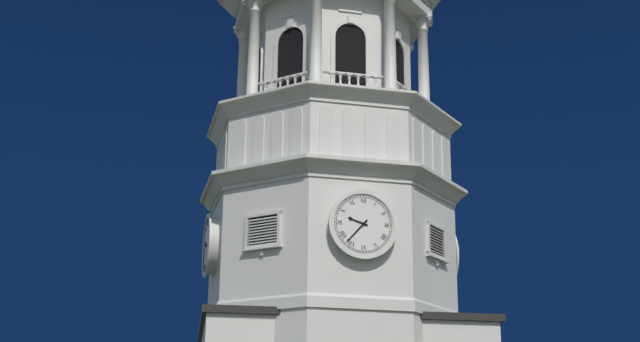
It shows 9.37
